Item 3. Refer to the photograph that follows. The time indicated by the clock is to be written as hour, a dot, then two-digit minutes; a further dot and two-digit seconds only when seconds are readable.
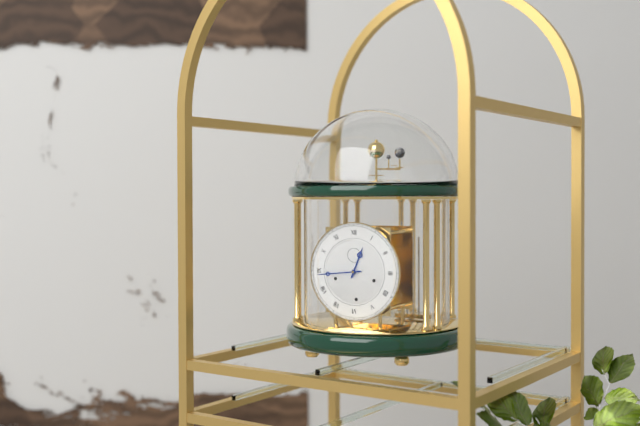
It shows 12.44
